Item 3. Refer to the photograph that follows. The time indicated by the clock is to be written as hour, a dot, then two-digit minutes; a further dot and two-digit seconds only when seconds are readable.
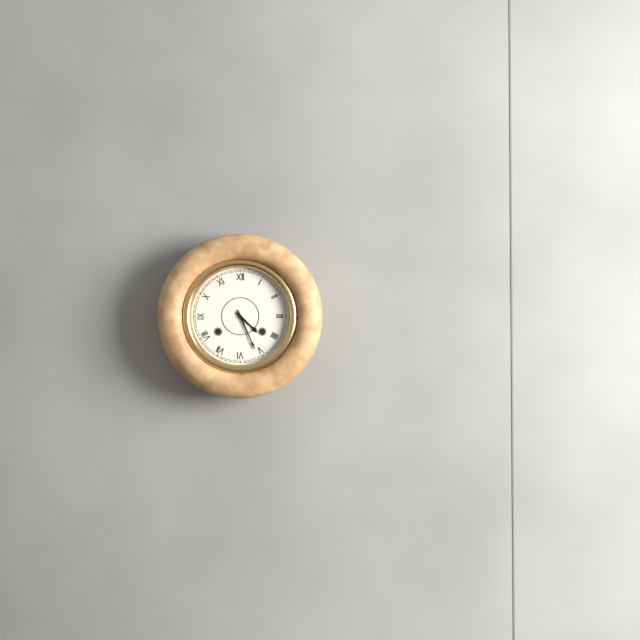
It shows 4.26
